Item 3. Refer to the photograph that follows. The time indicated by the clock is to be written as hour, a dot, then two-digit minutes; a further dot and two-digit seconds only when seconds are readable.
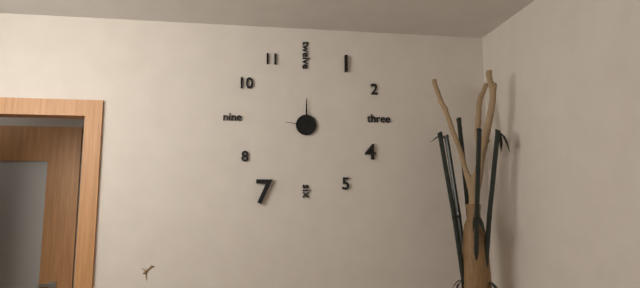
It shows 12.00
